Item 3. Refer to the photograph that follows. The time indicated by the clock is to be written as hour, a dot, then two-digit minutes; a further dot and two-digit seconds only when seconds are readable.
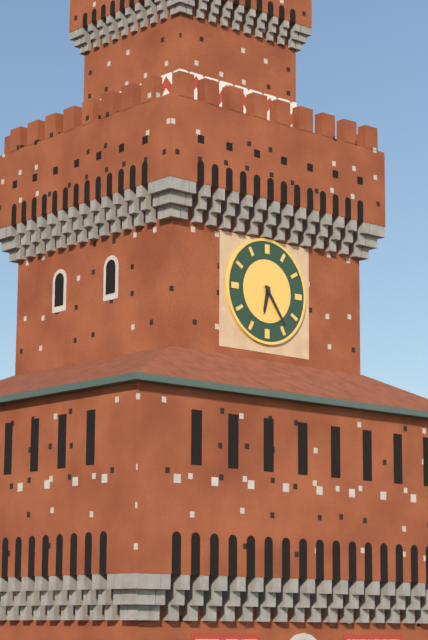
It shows 6.24
